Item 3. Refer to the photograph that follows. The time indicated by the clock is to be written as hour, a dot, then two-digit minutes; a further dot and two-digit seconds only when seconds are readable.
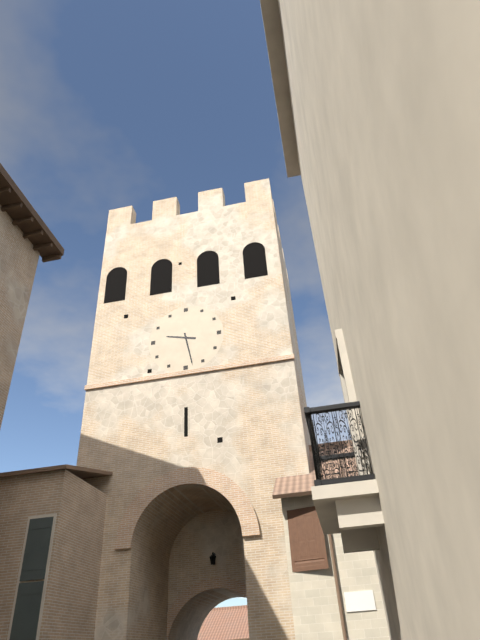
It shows 9.28
